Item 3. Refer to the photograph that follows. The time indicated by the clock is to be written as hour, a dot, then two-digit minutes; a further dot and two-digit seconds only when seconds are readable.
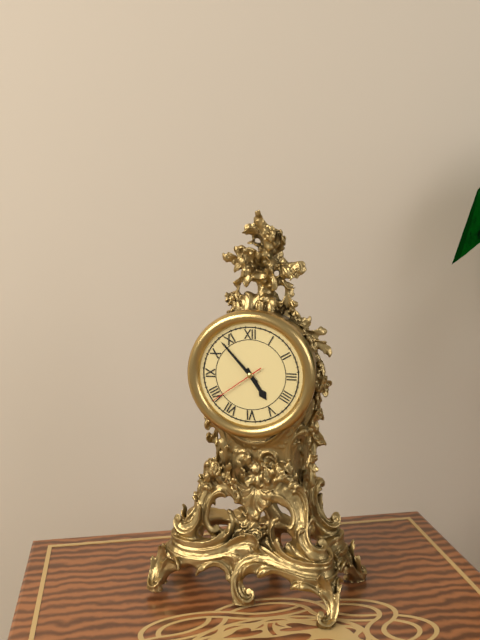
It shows 4.53.39
